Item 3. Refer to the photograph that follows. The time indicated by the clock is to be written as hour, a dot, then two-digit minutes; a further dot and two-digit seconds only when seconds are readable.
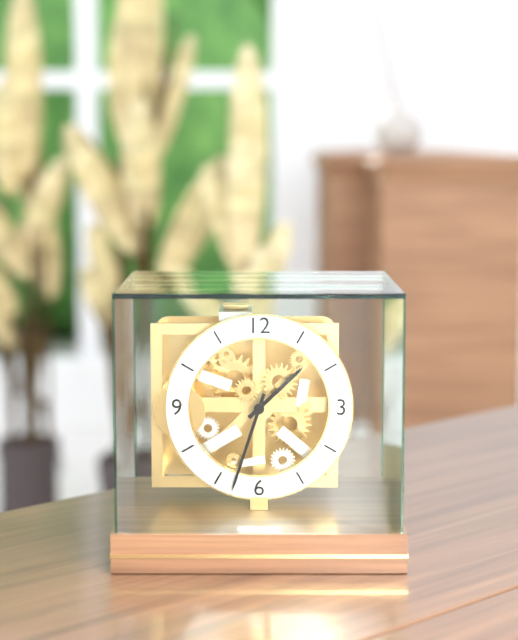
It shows 1.33
